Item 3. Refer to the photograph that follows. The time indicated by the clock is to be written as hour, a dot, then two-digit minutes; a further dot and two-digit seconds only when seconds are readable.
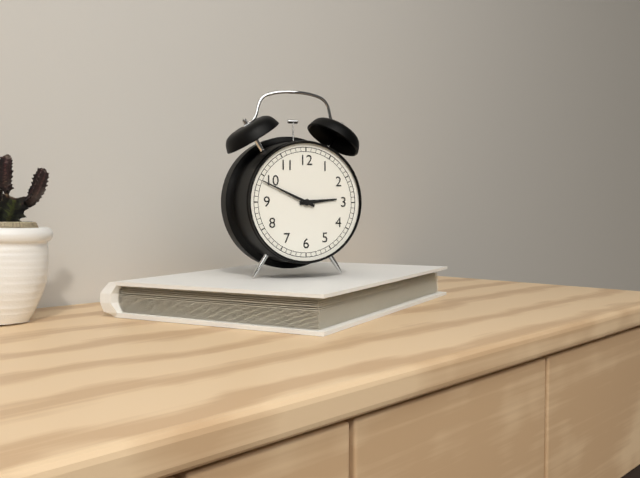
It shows 2.49
